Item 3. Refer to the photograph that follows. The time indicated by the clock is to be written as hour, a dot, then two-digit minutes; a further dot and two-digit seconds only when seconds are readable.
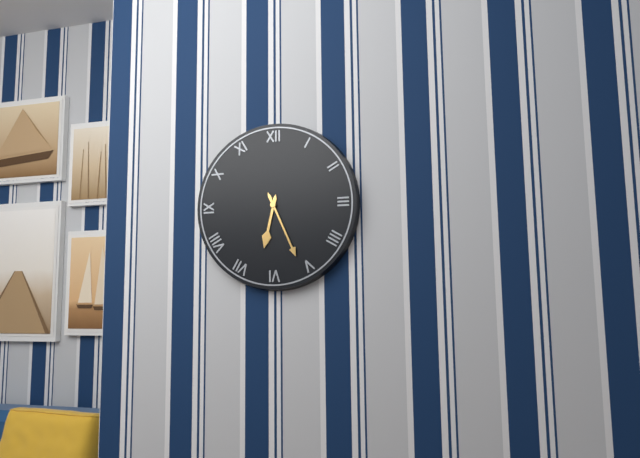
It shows 6.26
